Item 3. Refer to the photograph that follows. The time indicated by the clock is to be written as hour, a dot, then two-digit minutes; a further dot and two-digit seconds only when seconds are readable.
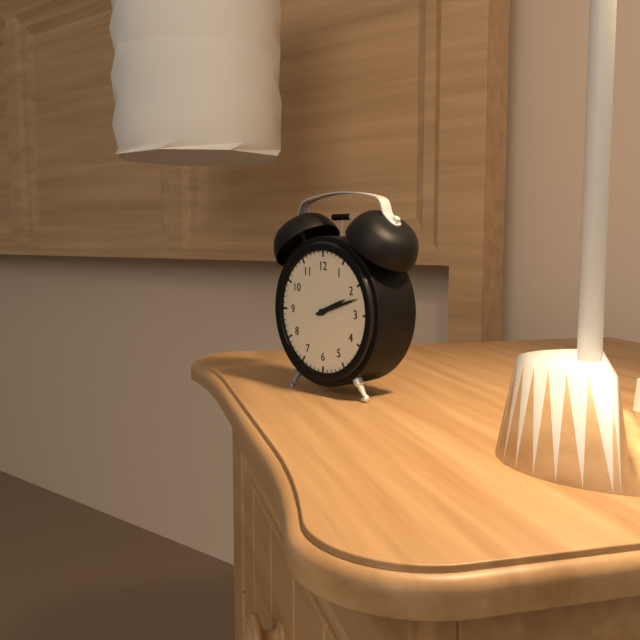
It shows 2.12
